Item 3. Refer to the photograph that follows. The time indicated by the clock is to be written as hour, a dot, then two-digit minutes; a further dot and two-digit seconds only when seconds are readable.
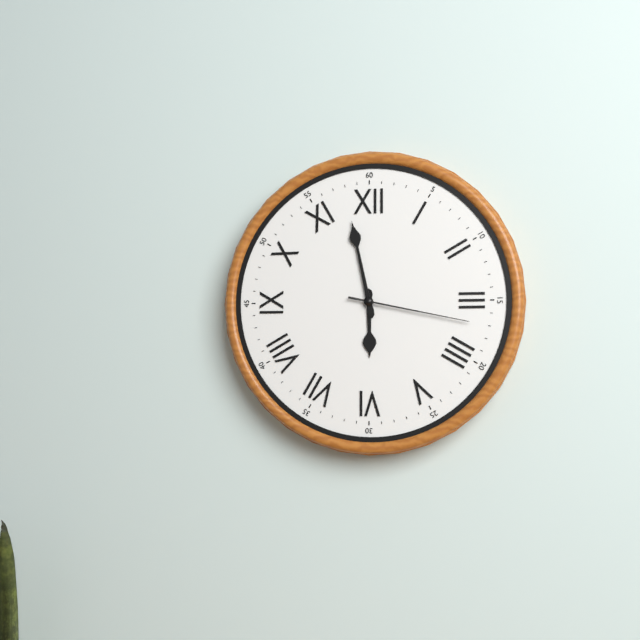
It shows 5.58.17
